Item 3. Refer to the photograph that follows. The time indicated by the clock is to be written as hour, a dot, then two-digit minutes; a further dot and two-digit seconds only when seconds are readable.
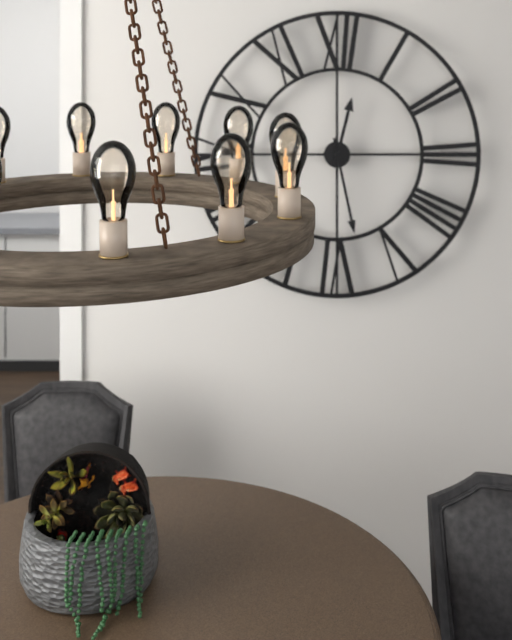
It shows 12.28
